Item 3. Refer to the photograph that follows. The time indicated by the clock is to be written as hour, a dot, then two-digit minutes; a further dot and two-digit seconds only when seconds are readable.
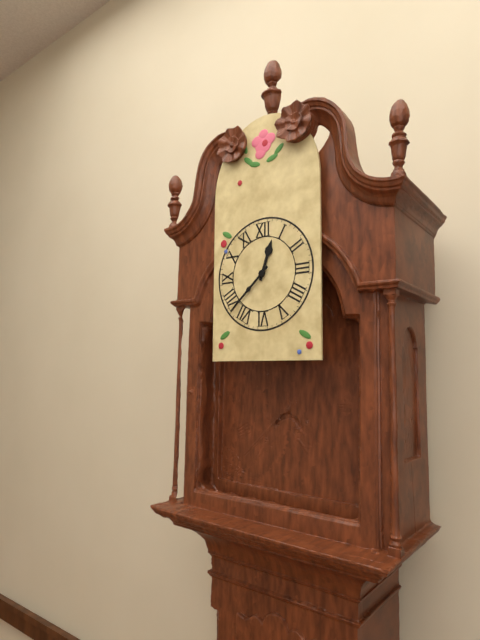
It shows 12.38
